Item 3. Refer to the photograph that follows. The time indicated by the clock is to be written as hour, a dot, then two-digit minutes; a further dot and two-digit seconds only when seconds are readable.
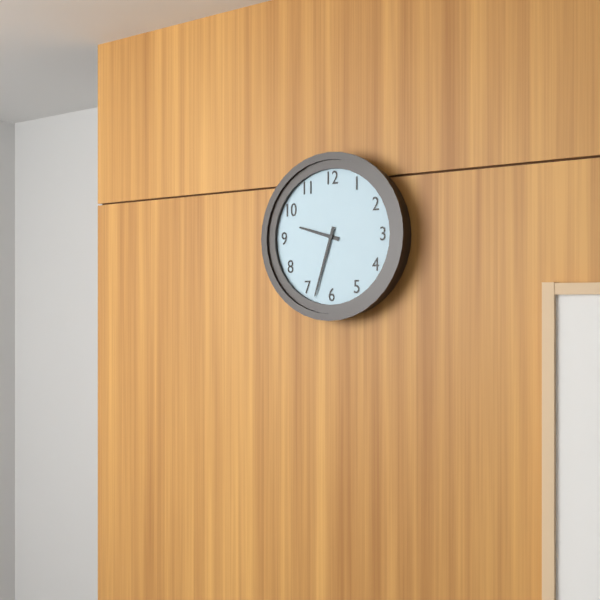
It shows 9.33
